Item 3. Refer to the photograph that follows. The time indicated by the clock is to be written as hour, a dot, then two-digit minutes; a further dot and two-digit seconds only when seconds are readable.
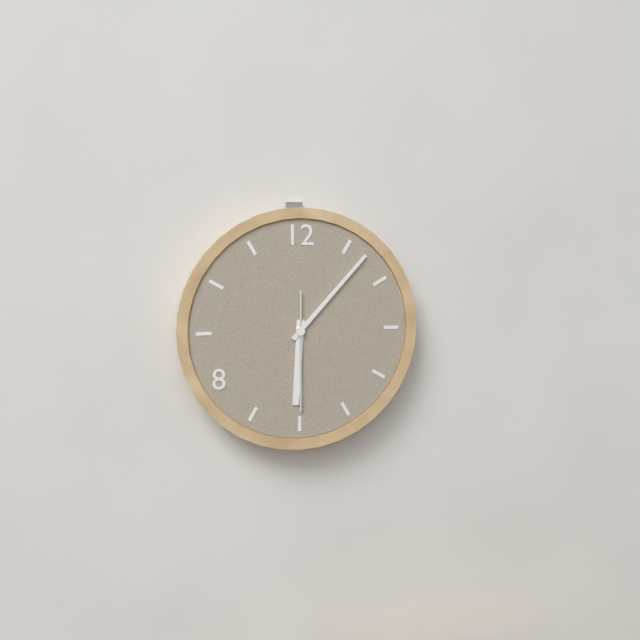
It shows 6.07.30
